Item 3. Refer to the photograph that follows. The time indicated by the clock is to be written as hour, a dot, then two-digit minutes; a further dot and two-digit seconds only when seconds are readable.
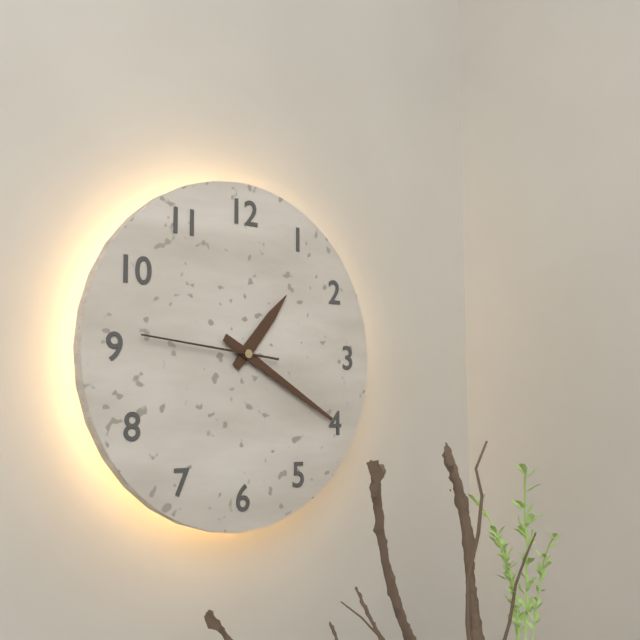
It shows 1.20.46
